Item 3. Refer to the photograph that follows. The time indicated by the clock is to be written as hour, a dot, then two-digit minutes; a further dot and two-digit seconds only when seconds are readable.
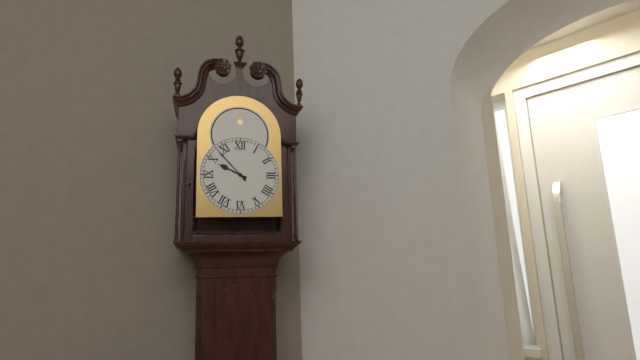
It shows 9.53
